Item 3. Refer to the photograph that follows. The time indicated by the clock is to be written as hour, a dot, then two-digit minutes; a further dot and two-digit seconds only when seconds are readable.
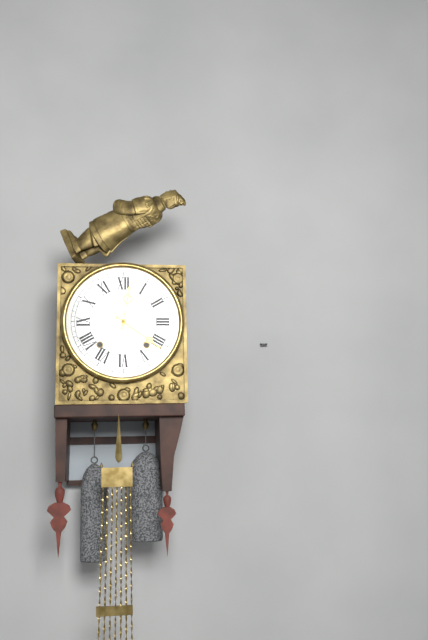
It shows 12.21
